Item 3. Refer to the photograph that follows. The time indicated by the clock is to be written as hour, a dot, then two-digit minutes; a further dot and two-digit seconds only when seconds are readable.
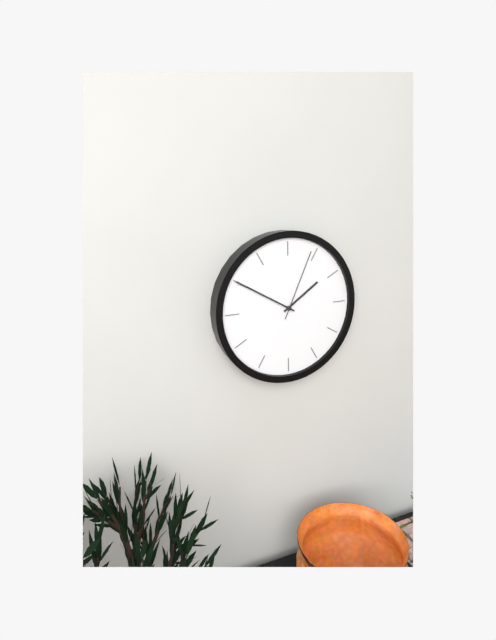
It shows 1.50.04
